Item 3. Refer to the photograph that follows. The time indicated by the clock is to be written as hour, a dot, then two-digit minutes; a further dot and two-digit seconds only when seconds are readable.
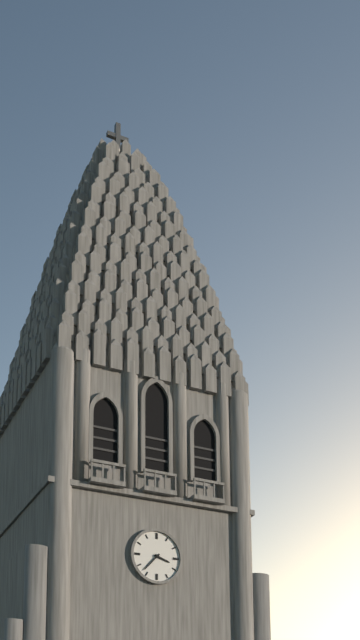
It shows 3.37
